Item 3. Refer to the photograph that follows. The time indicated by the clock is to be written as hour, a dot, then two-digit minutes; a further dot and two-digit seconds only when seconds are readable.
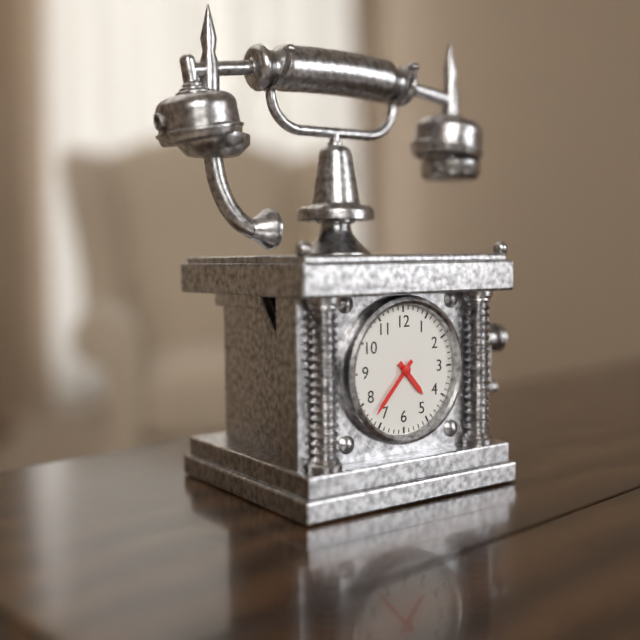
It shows 4.37
